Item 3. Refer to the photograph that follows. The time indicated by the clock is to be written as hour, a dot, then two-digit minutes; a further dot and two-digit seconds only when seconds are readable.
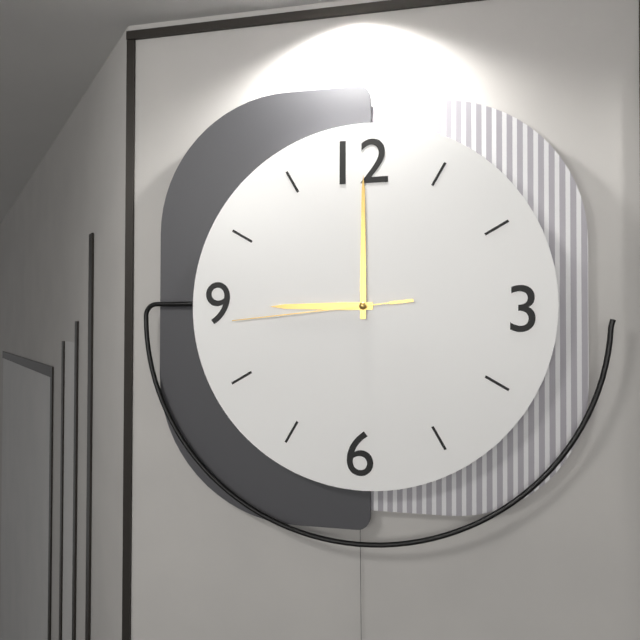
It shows 9.00.44
